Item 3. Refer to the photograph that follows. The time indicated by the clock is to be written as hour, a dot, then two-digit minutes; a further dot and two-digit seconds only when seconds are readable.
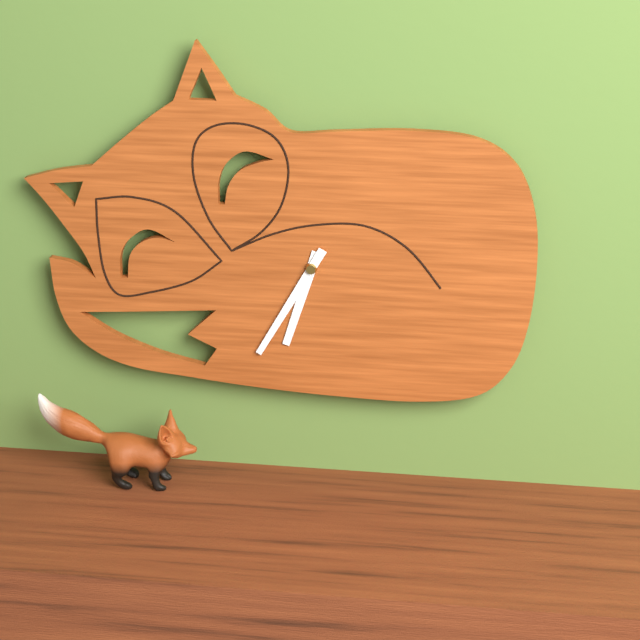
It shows 6.35
